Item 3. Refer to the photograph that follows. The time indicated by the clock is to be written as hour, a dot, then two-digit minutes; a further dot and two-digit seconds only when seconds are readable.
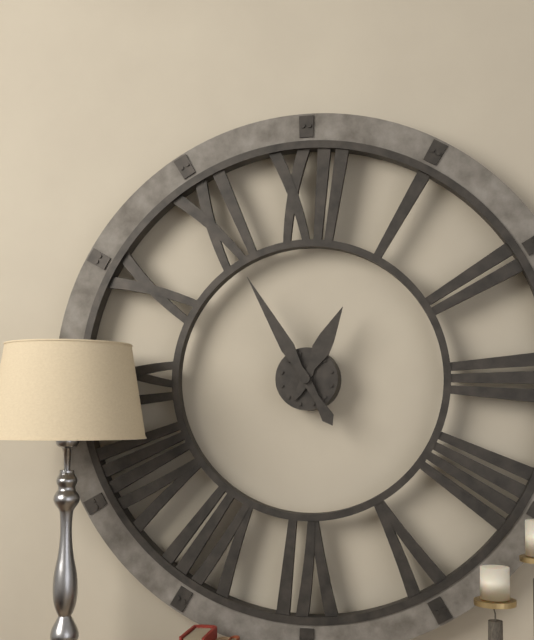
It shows 12.55
